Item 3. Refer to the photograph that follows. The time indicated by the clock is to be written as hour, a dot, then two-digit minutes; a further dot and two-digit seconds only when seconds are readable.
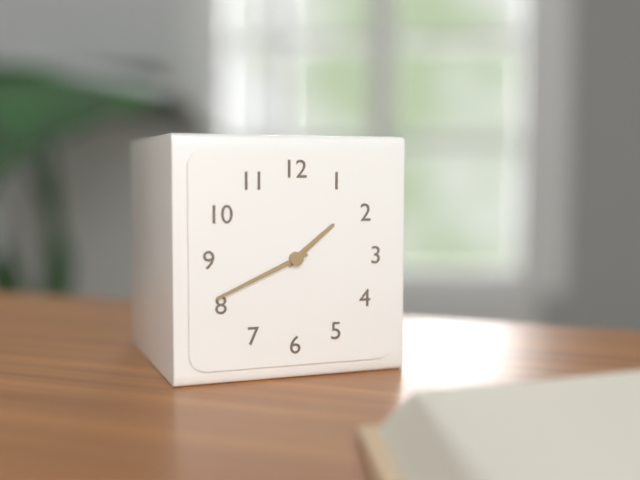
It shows 1.41
